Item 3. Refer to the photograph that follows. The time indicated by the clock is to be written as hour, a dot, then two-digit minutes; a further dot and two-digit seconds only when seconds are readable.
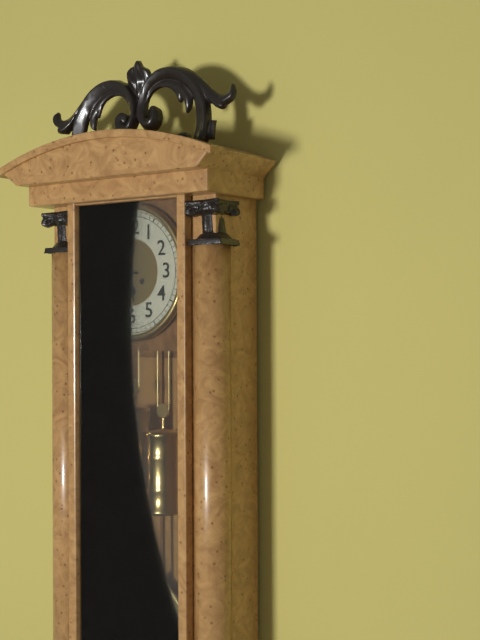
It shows 5.46
